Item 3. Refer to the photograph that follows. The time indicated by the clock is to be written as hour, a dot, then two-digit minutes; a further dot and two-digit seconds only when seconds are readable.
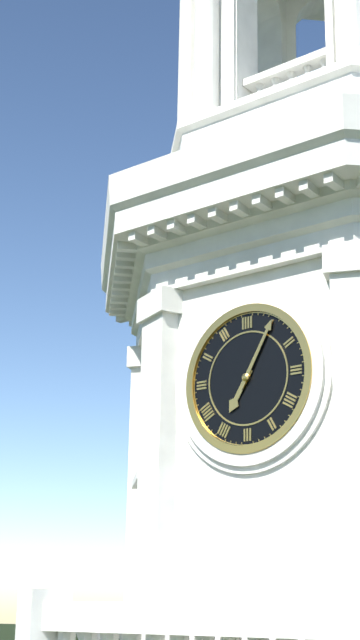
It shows 7.05
